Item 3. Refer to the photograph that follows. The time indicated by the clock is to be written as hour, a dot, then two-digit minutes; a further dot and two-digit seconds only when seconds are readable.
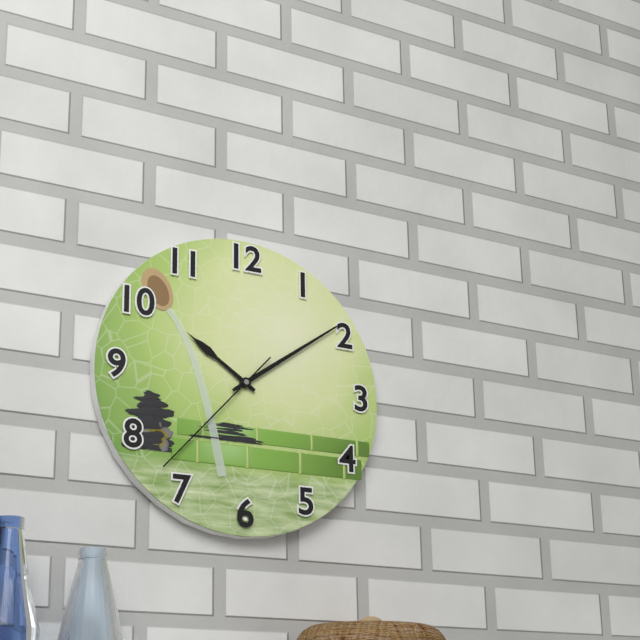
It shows 10.09.37
